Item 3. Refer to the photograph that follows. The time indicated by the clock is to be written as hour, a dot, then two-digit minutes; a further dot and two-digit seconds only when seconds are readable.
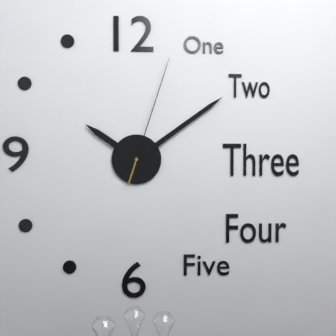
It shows 10.09.03
